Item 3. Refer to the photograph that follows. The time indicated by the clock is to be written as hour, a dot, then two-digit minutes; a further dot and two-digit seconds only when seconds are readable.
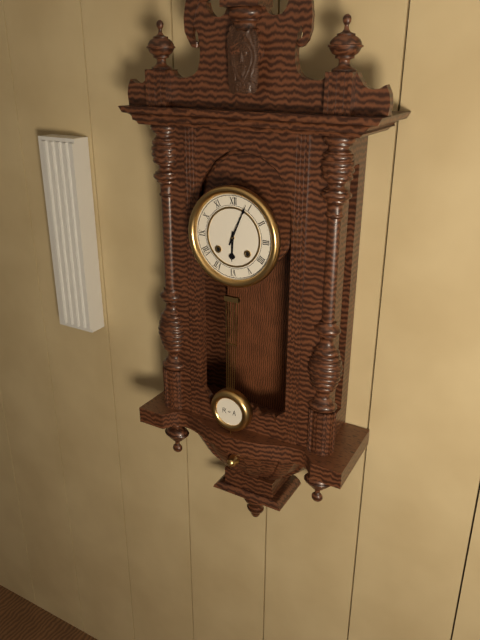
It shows 6.04
